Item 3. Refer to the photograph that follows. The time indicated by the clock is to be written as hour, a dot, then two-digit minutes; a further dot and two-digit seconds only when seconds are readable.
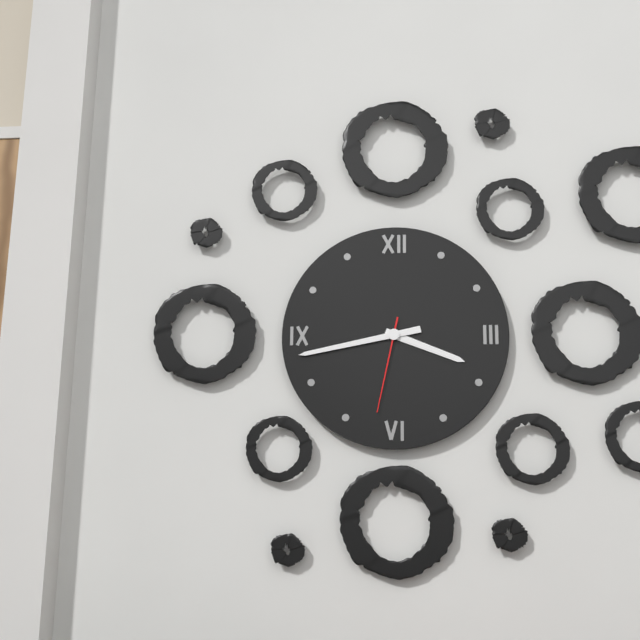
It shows 3.43.32
